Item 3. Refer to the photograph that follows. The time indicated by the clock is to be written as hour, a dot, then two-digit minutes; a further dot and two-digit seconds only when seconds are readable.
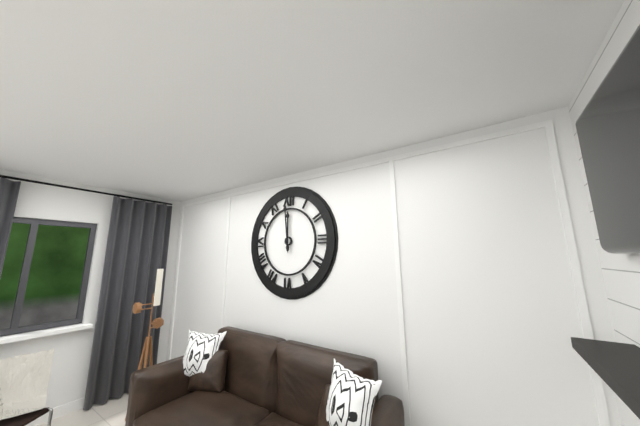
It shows 11.59
